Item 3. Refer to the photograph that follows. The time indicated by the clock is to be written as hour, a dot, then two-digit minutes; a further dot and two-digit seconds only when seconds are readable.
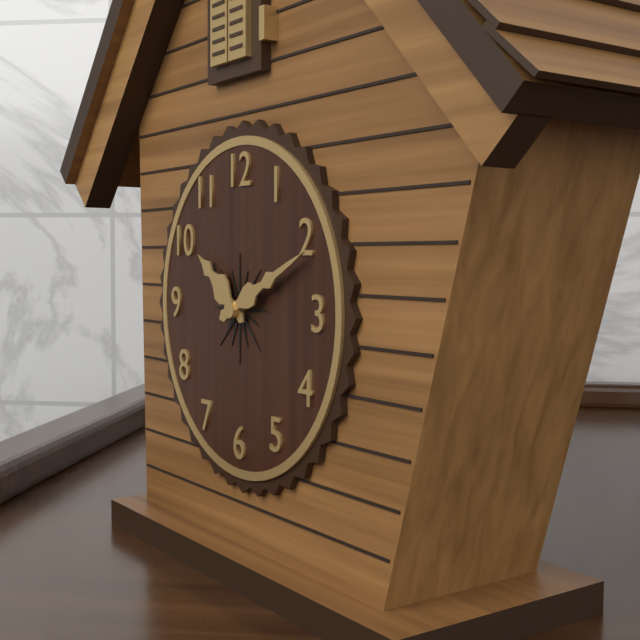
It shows 10.11
